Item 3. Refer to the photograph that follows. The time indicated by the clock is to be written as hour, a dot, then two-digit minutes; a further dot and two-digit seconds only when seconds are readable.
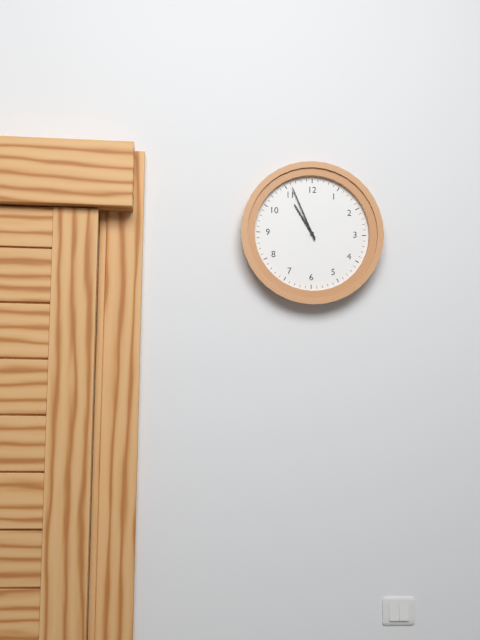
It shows 10.56
